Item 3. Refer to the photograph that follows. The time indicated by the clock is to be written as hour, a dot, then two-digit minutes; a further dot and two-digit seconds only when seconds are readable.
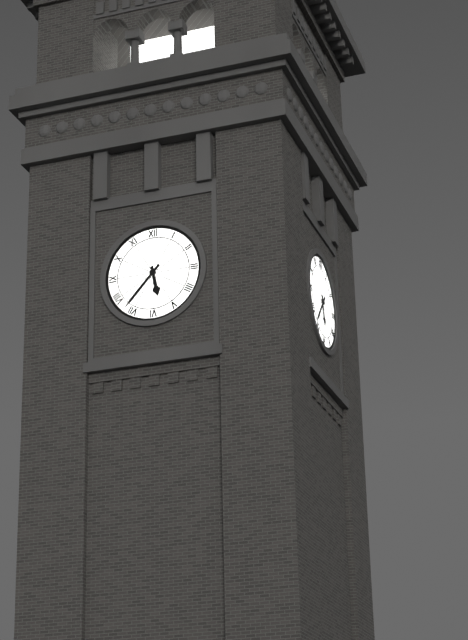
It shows 5.37
